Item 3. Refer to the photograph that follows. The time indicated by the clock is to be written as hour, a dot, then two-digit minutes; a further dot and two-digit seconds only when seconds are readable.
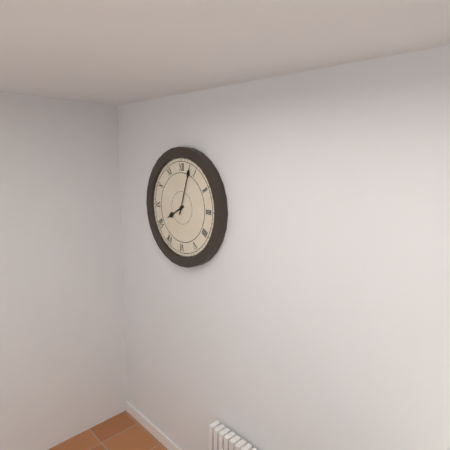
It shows 8.03
